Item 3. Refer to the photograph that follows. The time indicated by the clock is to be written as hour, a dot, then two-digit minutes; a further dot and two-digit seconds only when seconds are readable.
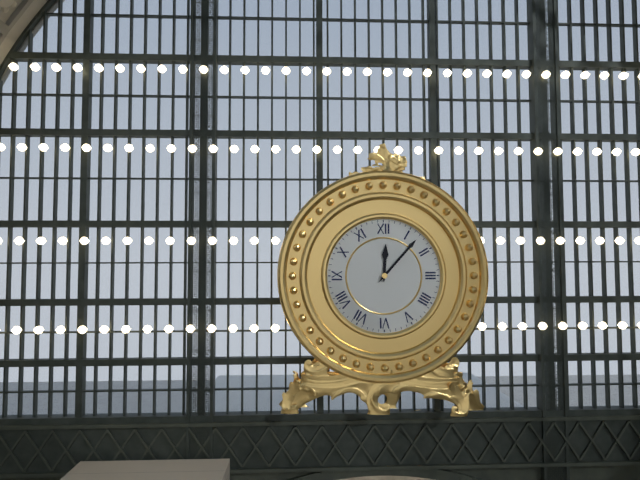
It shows 12.07
